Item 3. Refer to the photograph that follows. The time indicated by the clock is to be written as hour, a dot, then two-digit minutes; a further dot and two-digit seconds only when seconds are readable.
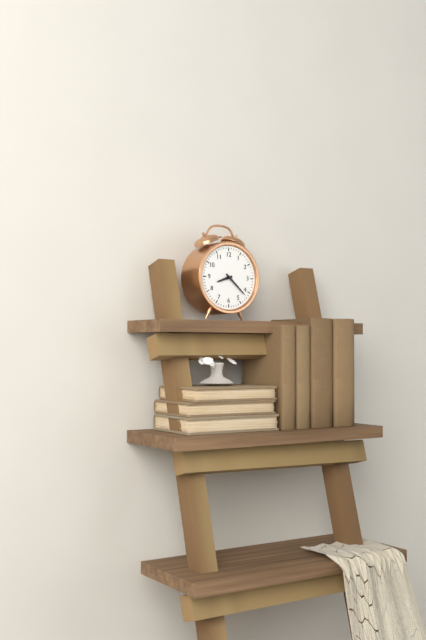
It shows 8.22
